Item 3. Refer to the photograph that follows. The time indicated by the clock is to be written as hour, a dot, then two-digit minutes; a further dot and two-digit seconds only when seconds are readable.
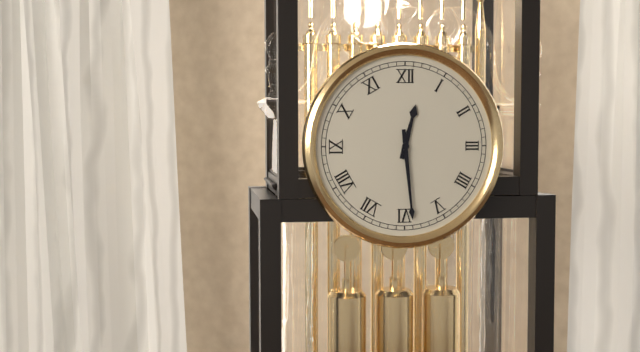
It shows 12.29
